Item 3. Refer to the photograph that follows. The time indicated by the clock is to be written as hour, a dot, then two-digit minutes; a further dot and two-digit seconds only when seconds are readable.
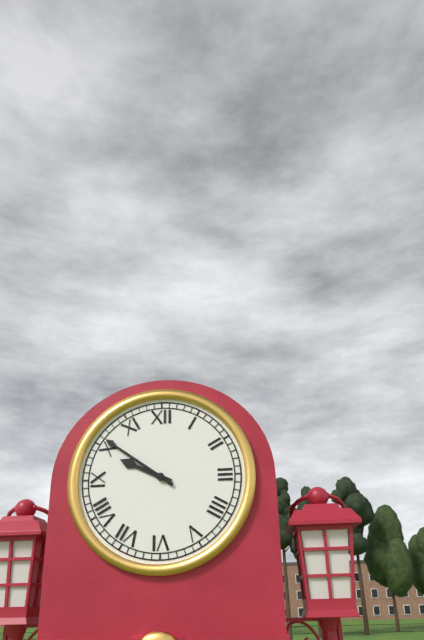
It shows 9.51
